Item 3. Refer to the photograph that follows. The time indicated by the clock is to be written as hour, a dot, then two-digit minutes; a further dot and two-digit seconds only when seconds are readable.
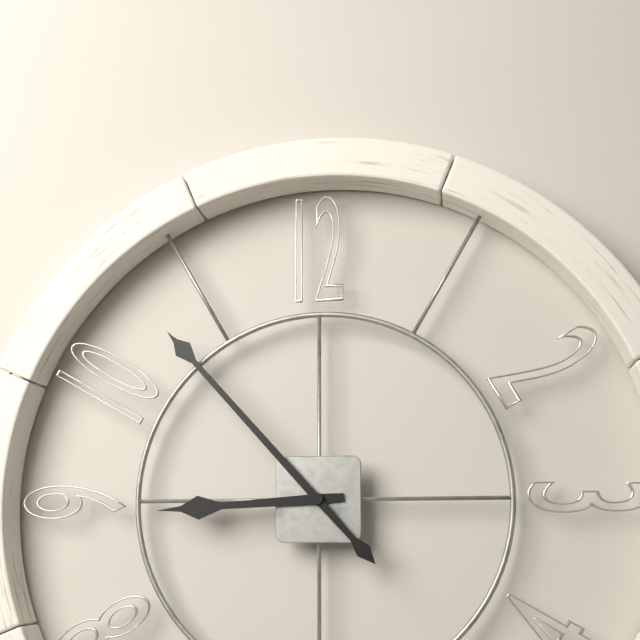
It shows 8.53
